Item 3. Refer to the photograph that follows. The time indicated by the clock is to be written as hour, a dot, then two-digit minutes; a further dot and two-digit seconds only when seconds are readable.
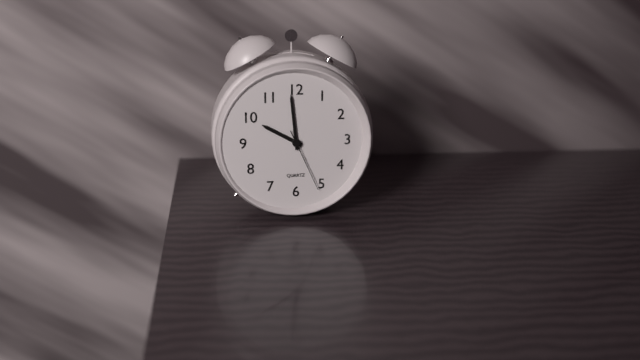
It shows 9.59.26
